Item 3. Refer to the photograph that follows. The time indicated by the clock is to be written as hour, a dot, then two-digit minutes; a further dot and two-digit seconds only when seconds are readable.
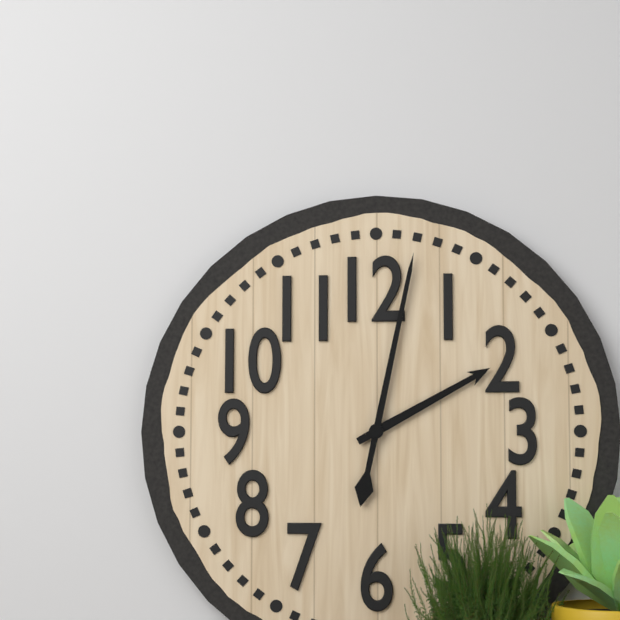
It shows 2.02
